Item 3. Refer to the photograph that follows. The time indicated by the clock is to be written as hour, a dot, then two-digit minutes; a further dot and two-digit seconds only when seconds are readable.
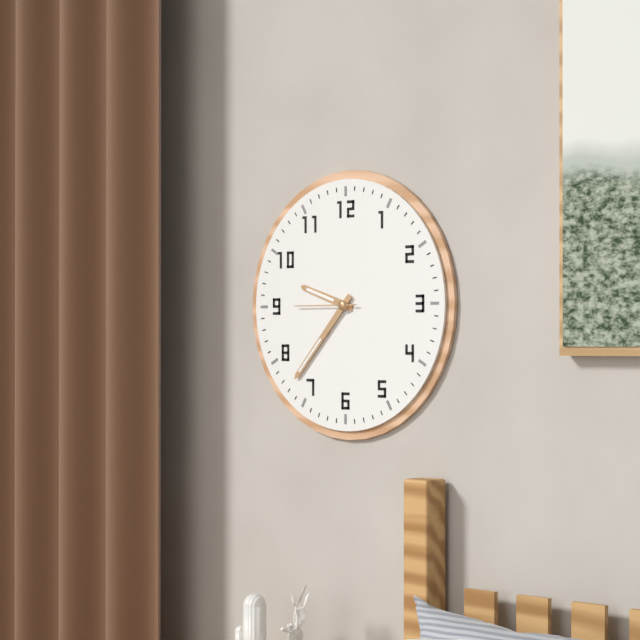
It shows 9.37.45
